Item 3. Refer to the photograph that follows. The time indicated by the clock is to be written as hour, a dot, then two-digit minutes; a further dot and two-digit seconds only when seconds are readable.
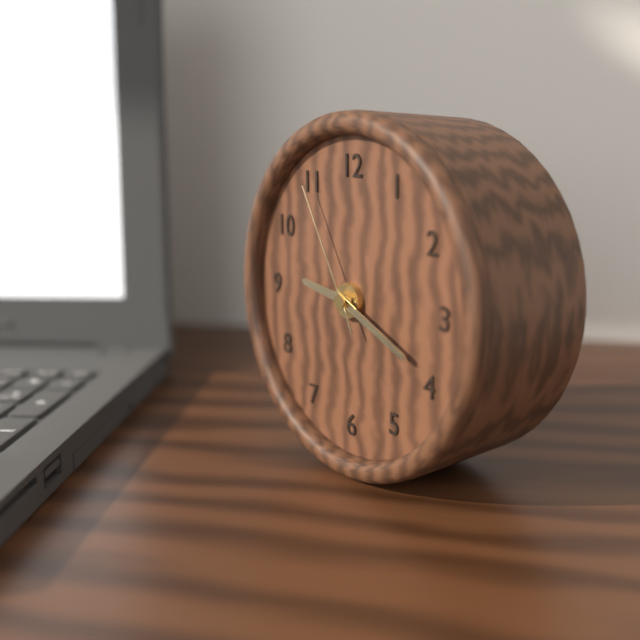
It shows 9.19.55
